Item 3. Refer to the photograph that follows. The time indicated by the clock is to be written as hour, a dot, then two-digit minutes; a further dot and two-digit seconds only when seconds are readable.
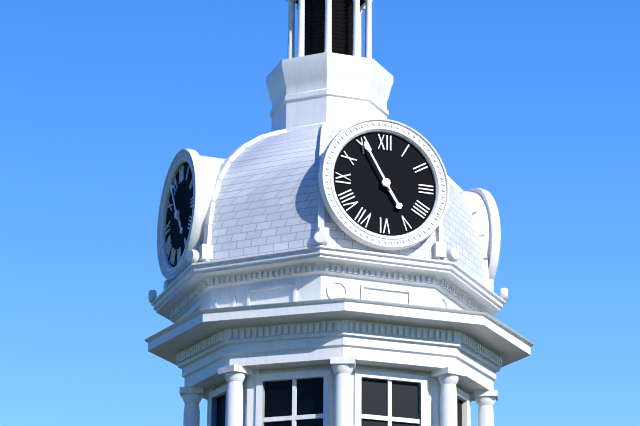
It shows 4.55
